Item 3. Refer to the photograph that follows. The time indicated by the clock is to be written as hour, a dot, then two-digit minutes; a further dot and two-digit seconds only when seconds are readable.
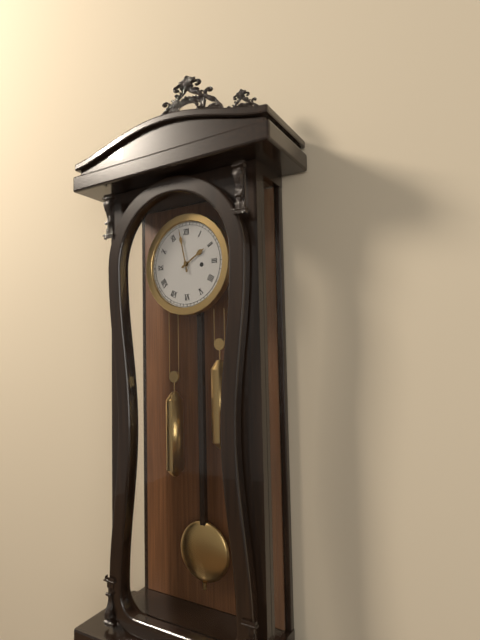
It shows 1.58
